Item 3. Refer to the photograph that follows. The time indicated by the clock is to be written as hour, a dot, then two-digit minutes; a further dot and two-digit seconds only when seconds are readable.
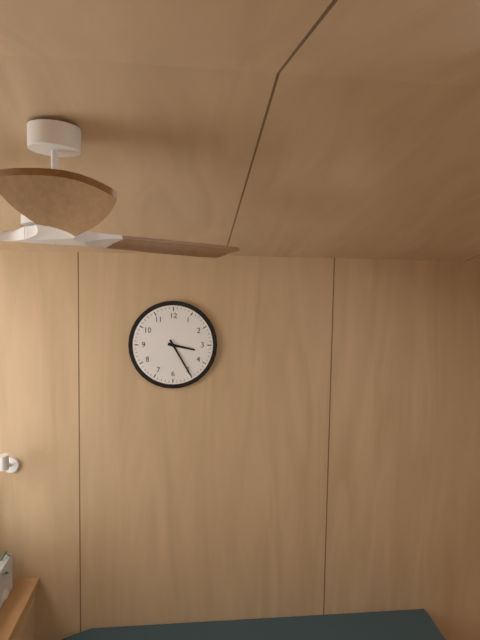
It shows 3.25
